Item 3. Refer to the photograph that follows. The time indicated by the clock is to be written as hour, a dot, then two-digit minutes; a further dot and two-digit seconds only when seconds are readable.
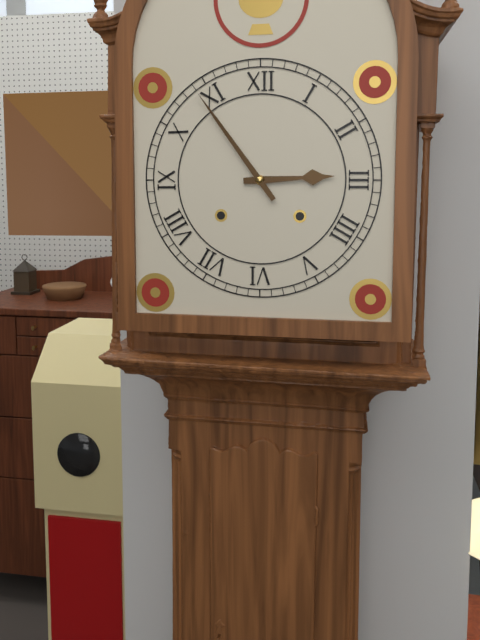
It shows 2.54
